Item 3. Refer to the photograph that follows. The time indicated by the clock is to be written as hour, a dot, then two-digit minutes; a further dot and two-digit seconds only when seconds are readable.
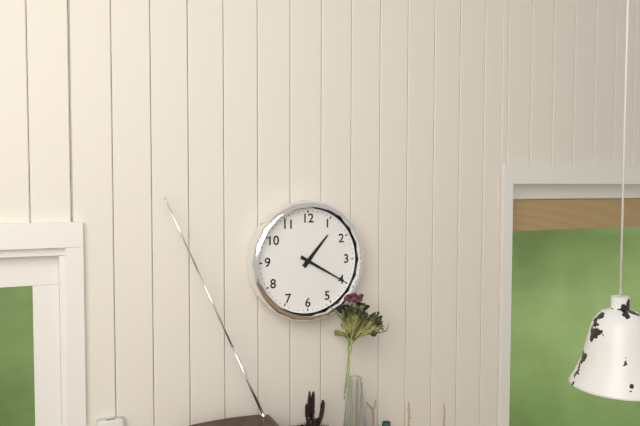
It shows 1.20
